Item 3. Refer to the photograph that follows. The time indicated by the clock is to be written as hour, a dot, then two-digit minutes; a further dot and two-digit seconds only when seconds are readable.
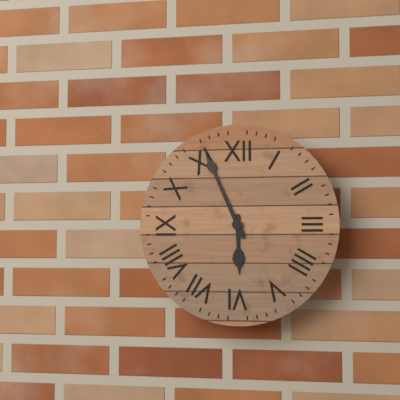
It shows 5.56
